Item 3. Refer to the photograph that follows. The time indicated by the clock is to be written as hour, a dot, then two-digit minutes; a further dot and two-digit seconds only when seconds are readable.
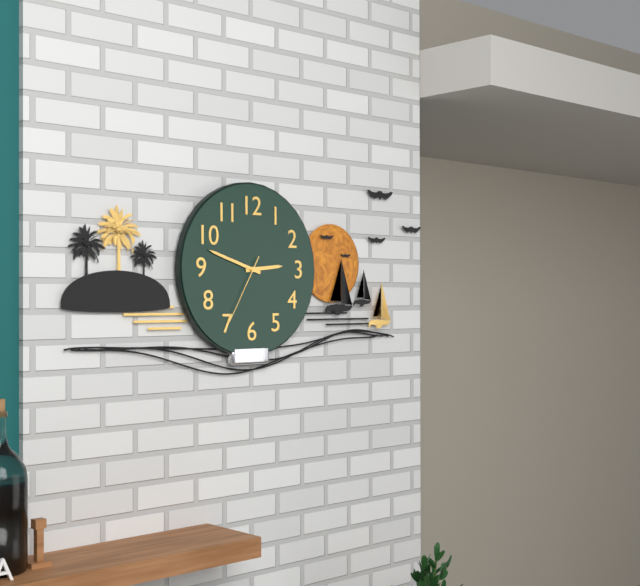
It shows 2.48.35
